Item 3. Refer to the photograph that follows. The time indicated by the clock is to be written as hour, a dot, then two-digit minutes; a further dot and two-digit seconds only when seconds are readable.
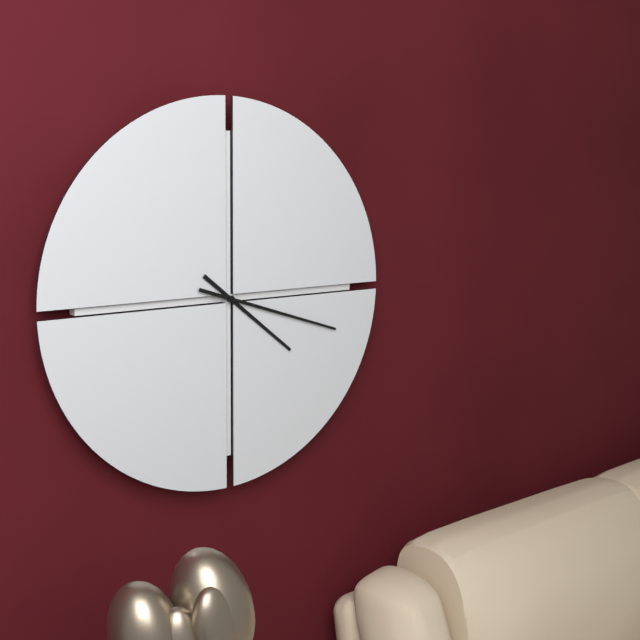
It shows 4.18
